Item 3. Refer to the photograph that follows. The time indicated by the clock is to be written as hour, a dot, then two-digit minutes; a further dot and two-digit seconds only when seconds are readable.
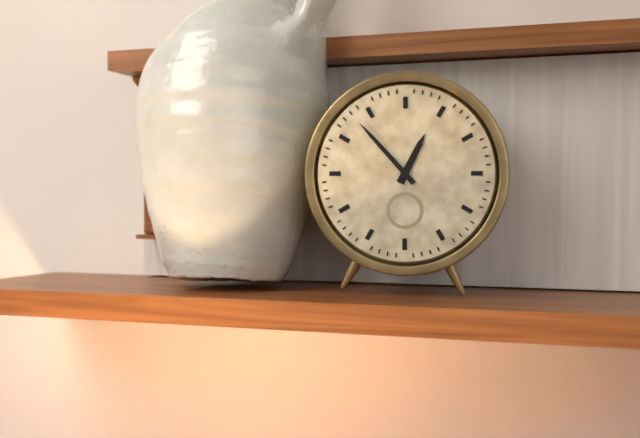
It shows 12.53
